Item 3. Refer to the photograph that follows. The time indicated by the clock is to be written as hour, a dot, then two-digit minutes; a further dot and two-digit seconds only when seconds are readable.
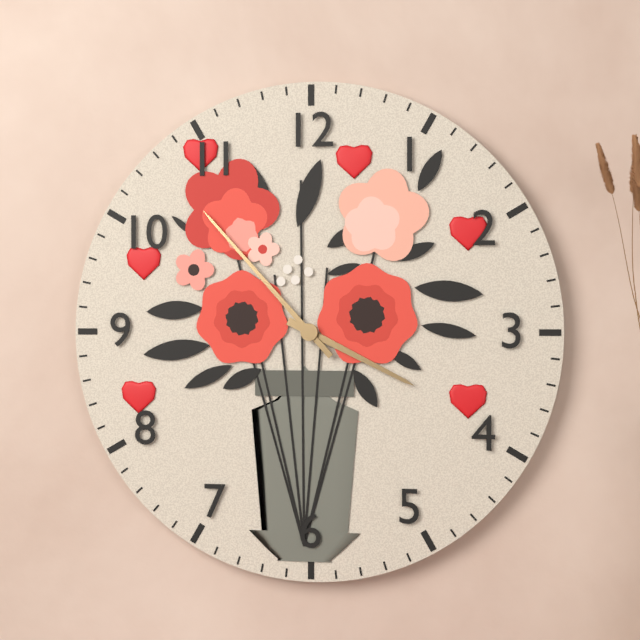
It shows 3.53
